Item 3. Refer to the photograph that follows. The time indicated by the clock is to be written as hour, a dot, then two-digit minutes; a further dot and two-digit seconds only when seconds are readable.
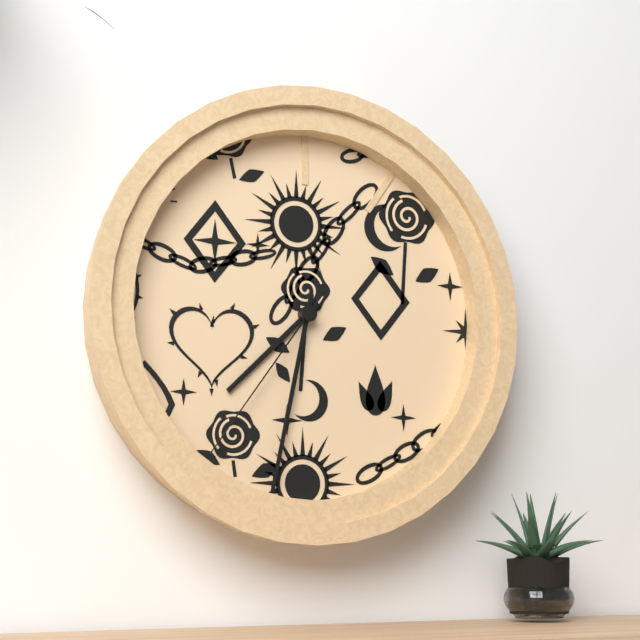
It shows 7.32.36
